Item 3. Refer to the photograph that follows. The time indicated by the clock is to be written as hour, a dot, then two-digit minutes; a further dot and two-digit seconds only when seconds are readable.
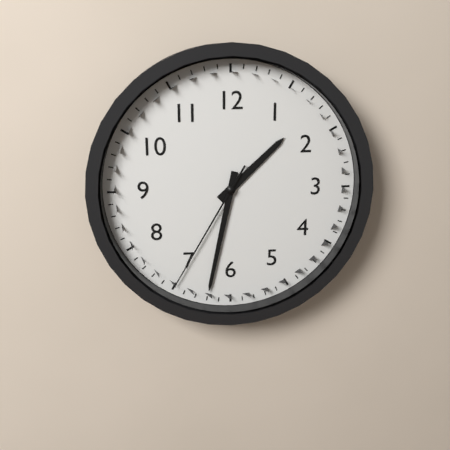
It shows 1.32.35
